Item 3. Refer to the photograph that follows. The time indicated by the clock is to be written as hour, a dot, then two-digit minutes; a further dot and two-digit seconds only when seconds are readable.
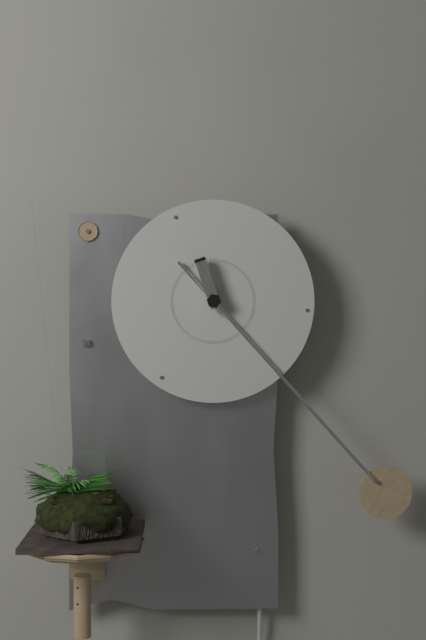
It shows 11.23
